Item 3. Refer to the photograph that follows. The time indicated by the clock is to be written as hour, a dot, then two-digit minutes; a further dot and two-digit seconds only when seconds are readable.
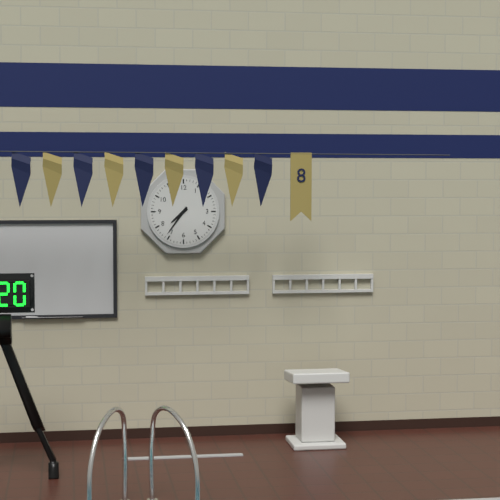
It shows 7.36
